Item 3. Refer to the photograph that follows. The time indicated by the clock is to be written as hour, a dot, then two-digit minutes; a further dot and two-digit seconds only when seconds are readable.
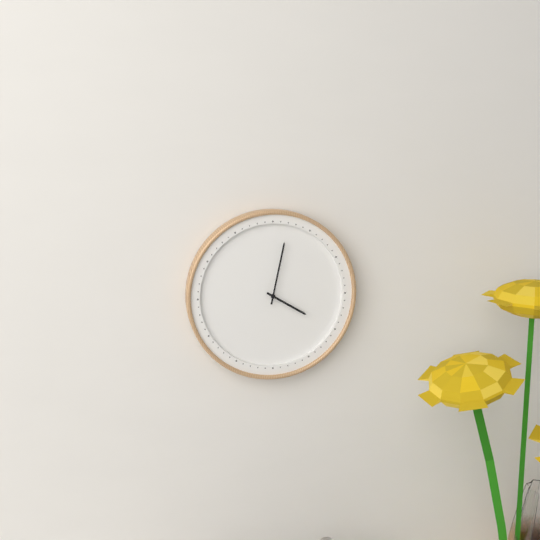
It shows 4.02
